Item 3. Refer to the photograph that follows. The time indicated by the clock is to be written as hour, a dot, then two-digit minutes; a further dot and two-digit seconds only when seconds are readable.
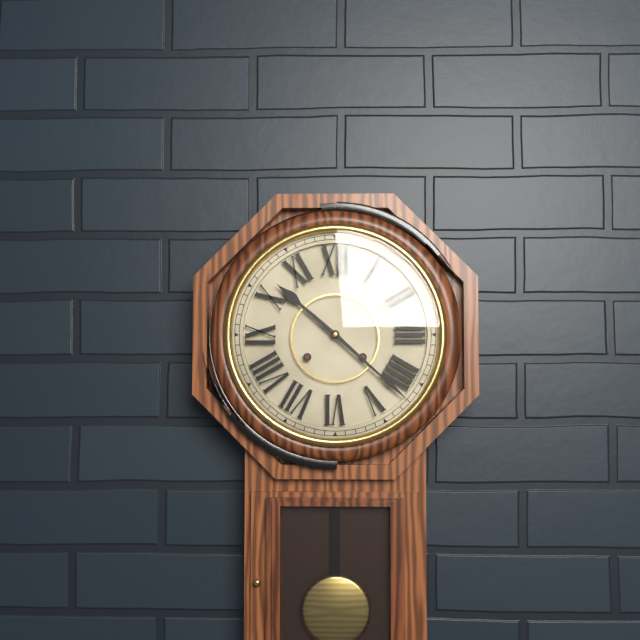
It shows 10.22
